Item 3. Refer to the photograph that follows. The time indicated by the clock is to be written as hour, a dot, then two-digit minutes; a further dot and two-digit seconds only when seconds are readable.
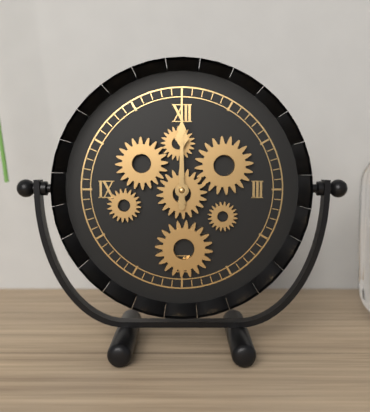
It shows 12.00
